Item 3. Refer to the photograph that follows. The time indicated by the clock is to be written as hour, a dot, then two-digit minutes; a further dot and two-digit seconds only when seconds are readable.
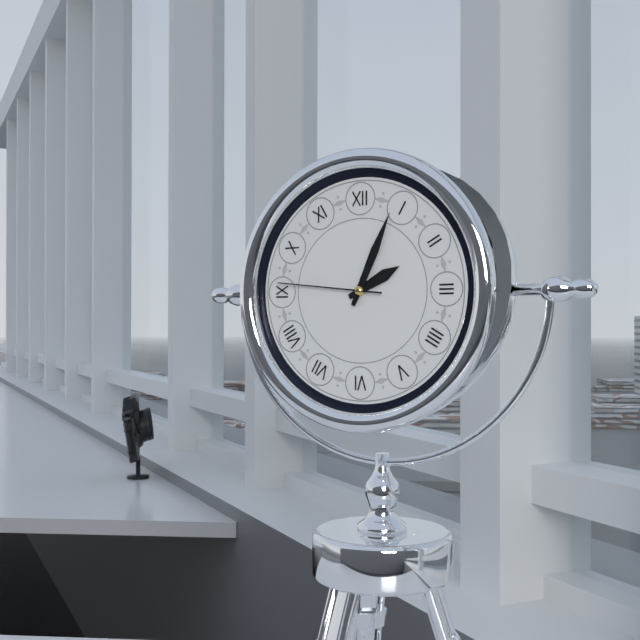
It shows 2.04.46
